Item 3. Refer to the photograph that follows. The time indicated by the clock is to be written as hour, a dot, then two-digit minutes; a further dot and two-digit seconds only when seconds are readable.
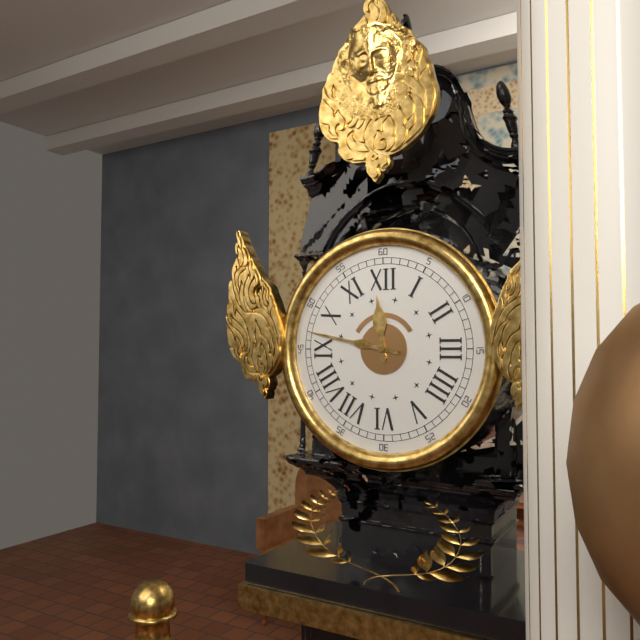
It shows 11.47
